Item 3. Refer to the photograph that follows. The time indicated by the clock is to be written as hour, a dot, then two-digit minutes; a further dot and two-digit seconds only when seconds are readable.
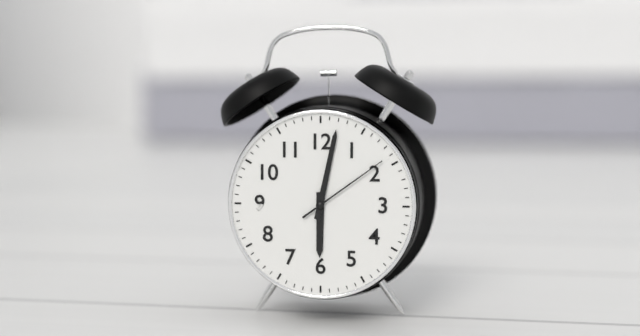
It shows 6.02.09
